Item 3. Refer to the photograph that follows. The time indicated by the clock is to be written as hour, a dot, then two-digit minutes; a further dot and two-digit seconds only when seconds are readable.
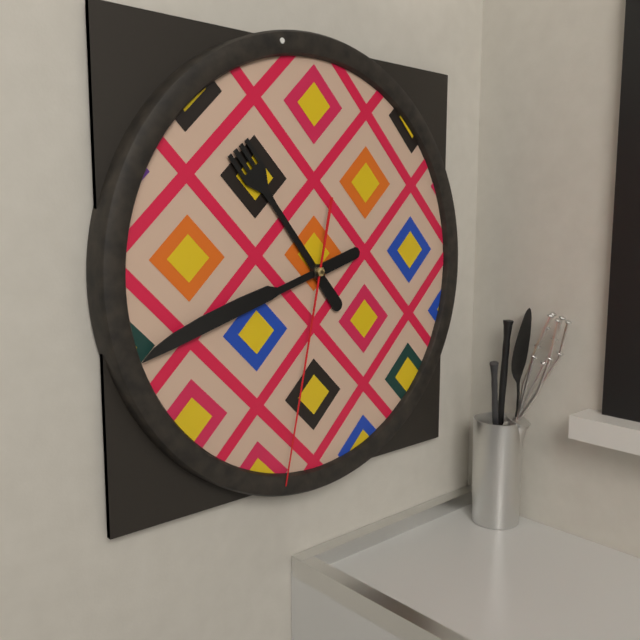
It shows 10.42.32
